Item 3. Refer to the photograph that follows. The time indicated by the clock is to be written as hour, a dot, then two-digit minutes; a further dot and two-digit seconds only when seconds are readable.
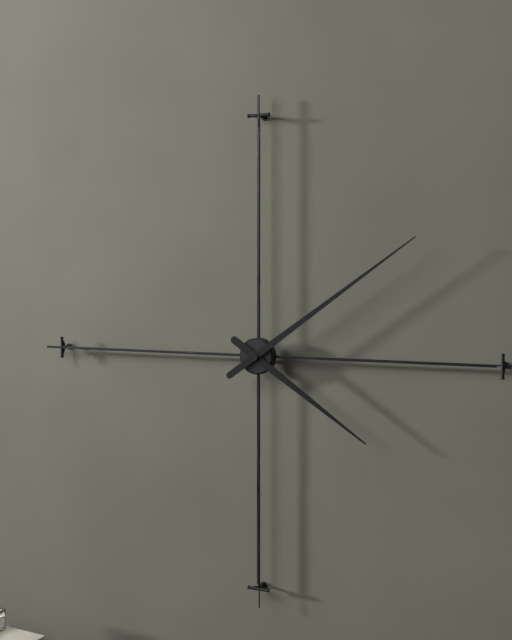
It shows 4.09
